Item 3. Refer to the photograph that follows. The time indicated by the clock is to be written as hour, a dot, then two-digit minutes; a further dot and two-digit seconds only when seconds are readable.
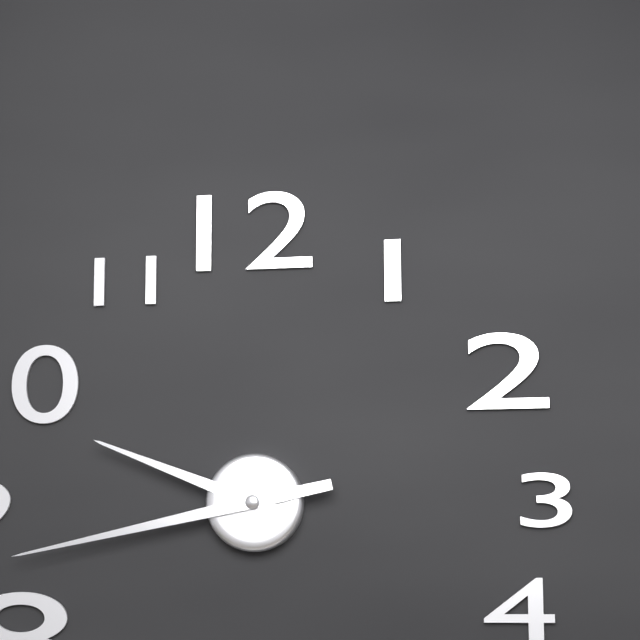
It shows 9.43
